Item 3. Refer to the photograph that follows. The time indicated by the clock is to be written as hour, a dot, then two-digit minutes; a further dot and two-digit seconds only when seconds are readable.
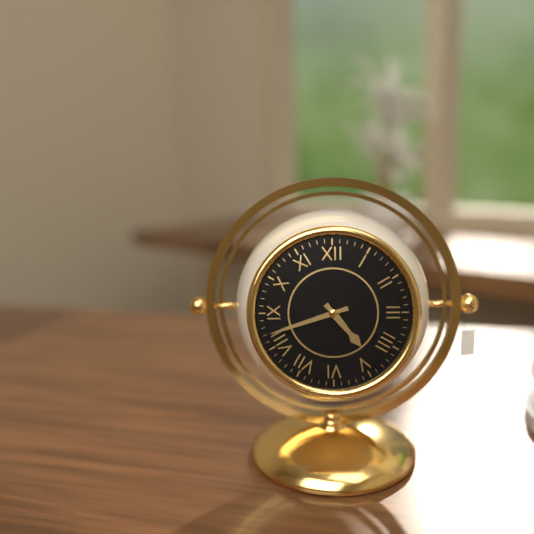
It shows 4.42
